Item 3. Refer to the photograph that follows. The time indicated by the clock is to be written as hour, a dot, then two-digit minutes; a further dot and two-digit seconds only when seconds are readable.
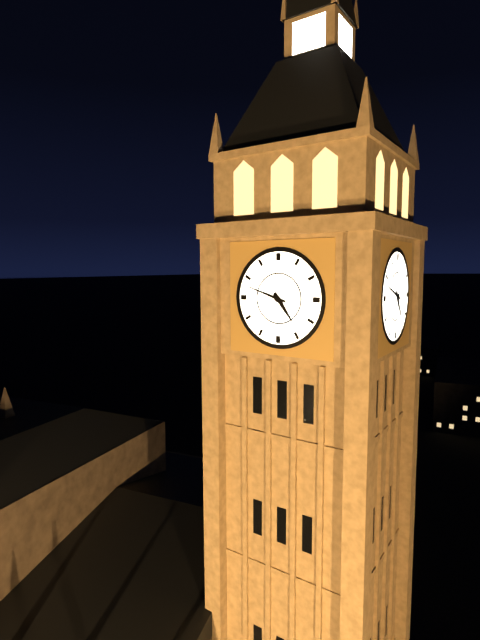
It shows 4.48
